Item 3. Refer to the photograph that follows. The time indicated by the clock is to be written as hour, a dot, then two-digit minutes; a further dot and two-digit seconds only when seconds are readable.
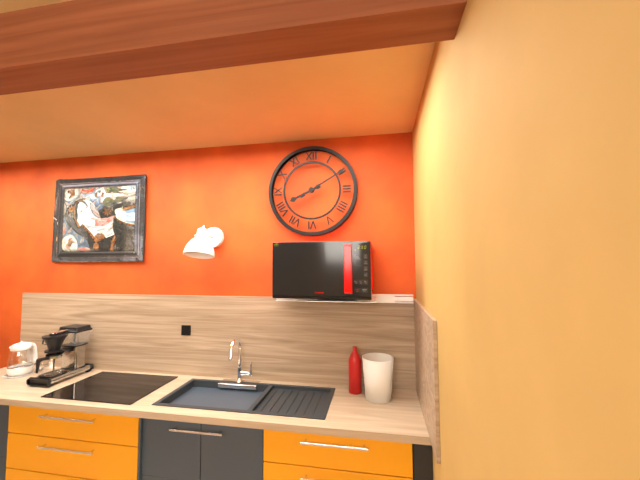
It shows 8.10
